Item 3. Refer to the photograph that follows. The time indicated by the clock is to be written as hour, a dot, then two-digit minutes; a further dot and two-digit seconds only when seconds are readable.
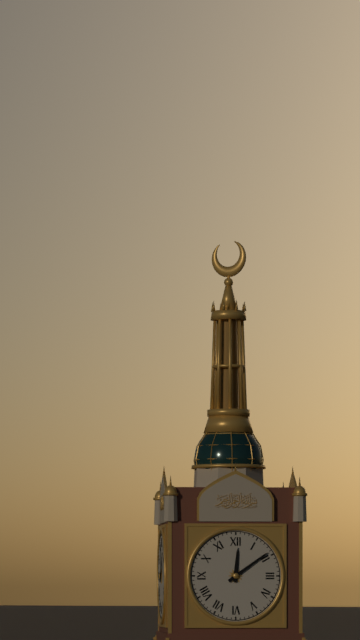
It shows 12.09
